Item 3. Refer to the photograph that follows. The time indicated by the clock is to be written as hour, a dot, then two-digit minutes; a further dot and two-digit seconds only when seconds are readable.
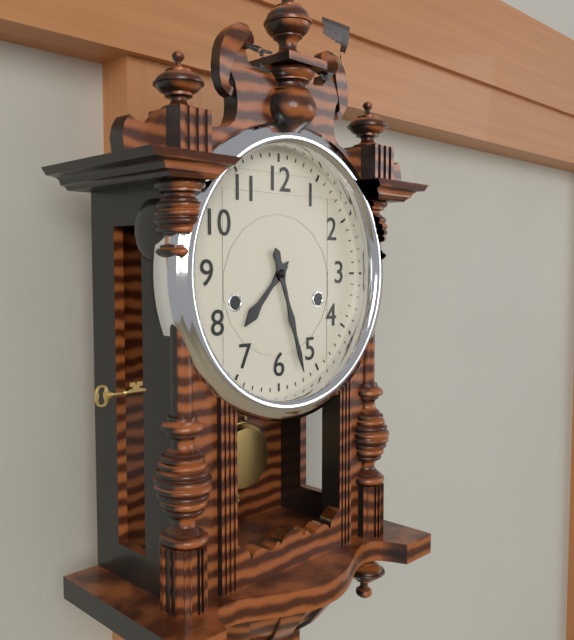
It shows 7.27
